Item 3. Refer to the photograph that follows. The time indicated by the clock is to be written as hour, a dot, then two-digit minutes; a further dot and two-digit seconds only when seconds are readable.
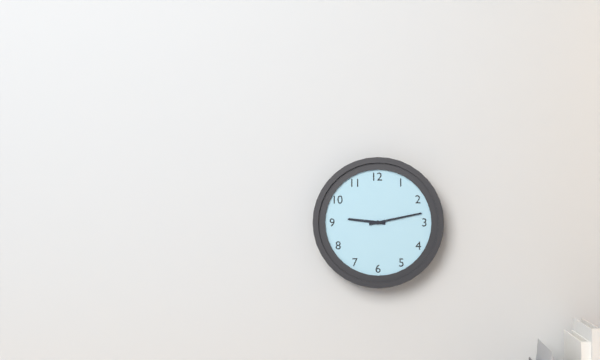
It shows 9.13
